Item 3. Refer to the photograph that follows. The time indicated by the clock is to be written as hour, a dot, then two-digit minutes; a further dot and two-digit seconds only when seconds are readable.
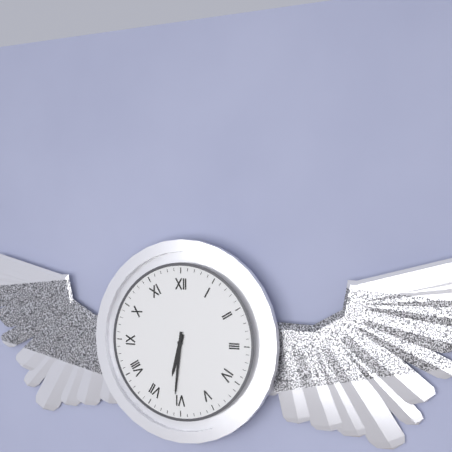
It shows 6.31
